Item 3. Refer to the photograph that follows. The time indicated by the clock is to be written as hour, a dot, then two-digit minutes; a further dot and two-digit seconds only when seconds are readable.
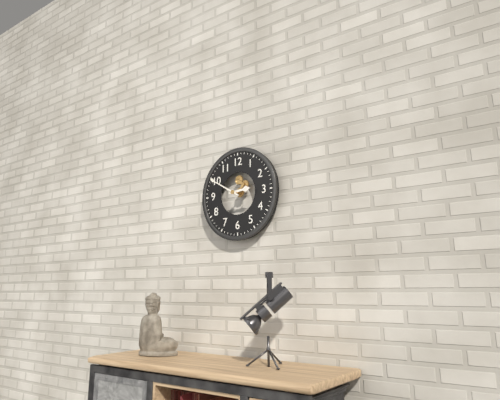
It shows 2.50
